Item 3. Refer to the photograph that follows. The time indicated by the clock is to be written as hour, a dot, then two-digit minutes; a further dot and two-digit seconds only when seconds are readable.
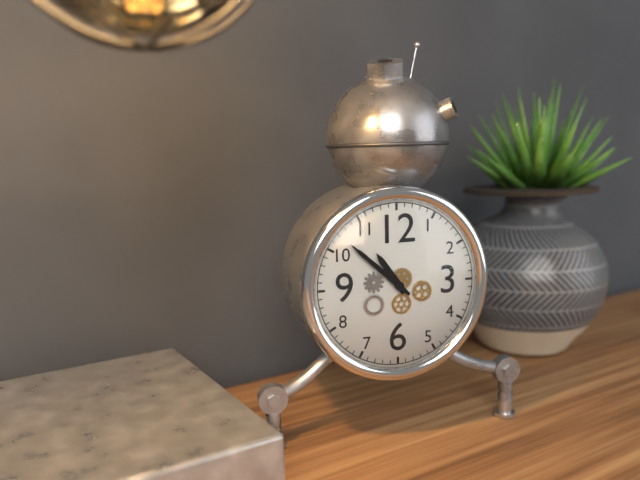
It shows 10.52
